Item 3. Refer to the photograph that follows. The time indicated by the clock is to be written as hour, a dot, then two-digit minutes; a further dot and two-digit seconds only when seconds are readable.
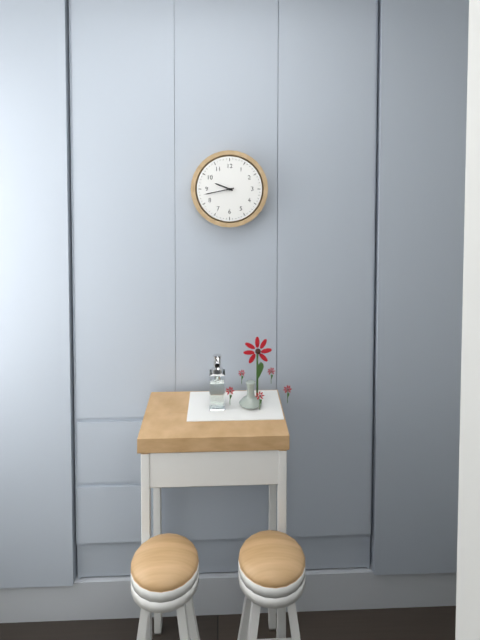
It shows 9.43
